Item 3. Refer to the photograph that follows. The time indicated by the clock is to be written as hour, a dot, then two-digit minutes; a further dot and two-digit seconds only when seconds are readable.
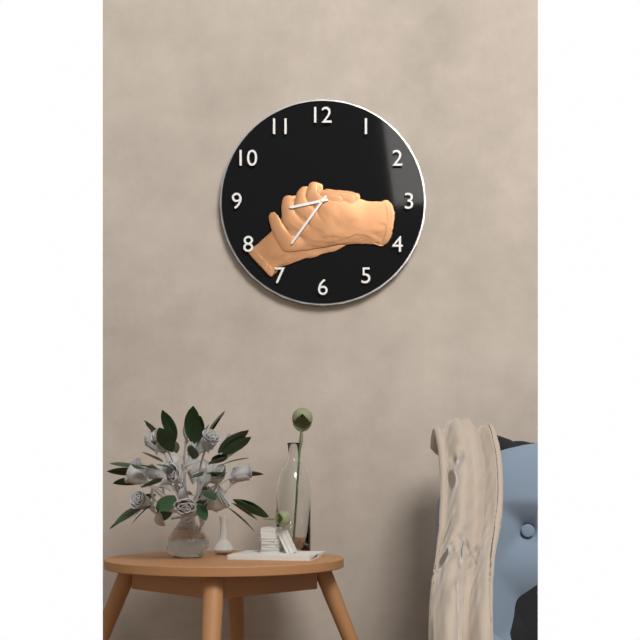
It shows 8.36
